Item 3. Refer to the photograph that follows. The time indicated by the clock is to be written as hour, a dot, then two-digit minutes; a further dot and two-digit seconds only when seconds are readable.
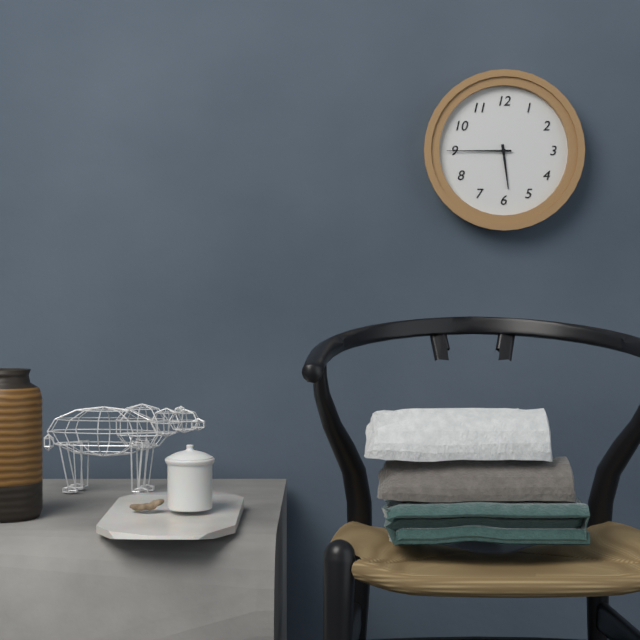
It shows 5.45
